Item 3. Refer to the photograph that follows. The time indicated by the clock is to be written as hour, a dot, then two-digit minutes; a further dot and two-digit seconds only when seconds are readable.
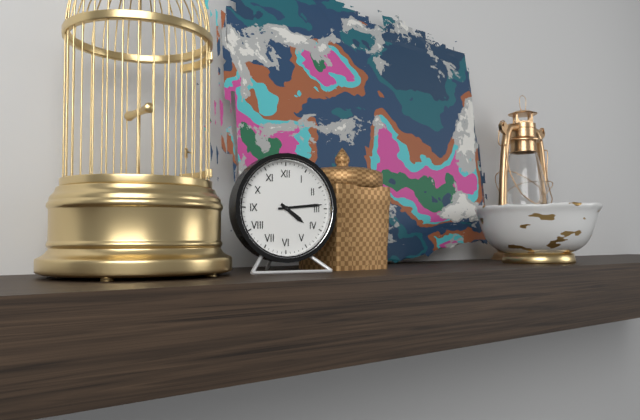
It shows 4.14
